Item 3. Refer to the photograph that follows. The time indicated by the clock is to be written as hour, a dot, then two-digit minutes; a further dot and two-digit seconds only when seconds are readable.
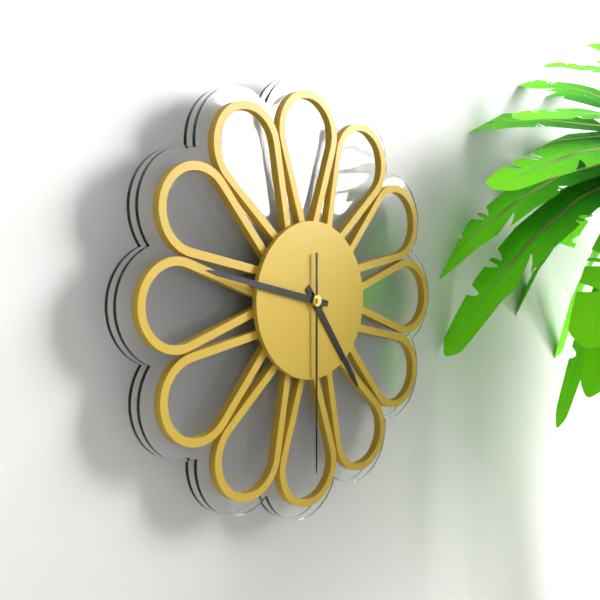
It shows 4.47.30
